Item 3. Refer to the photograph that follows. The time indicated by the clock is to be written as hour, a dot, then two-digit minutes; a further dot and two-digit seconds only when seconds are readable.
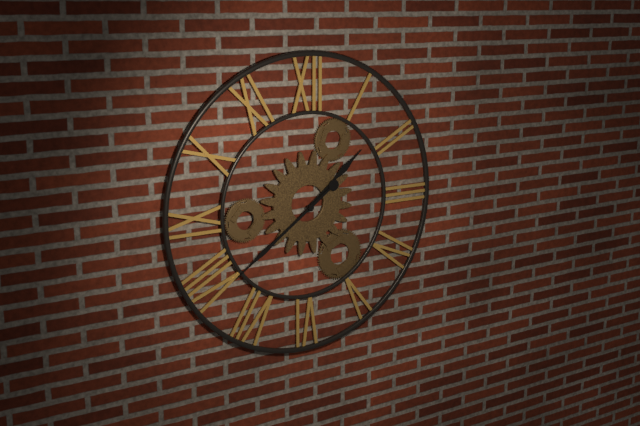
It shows 1.39
